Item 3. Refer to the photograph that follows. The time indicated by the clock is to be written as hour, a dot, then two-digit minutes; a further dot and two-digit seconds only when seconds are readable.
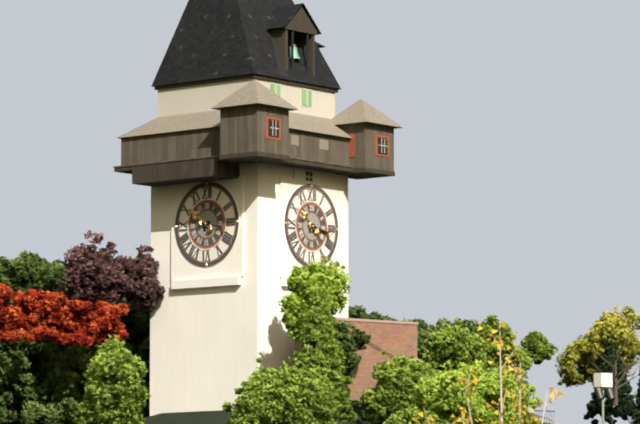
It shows 10.17
